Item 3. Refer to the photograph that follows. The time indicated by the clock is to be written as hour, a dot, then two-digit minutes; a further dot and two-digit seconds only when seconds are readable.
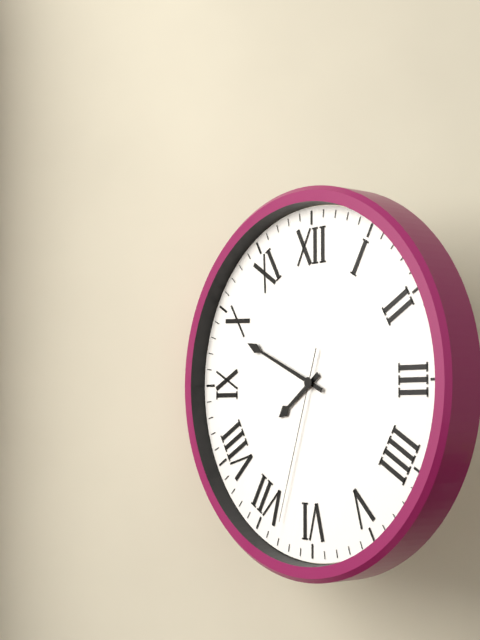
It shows 7.49.33
